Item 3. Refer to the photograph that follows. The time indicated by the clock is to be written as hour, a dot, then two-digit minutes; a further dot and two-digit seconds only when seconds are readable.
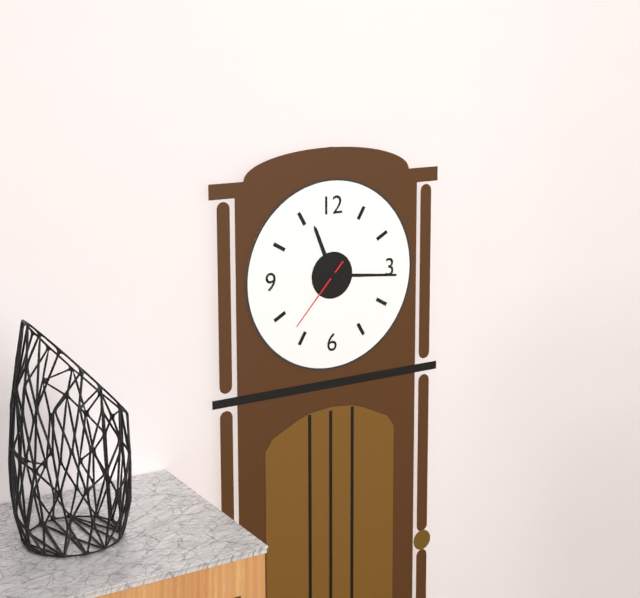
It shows 11.16.37
